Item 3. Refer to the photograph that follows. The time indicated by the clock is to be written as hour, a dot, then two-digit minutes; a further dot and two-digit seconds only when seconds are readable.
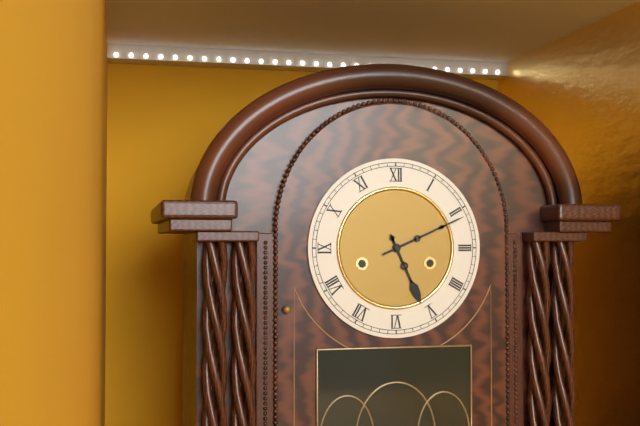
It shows 5.11
